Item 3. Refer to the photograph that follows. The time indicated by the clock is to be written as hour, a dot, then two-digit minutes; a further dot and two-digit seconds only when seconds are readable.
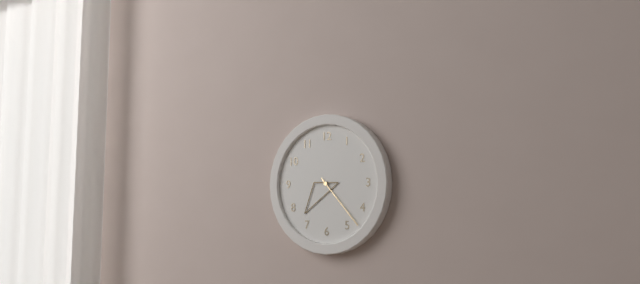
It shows 7.23
